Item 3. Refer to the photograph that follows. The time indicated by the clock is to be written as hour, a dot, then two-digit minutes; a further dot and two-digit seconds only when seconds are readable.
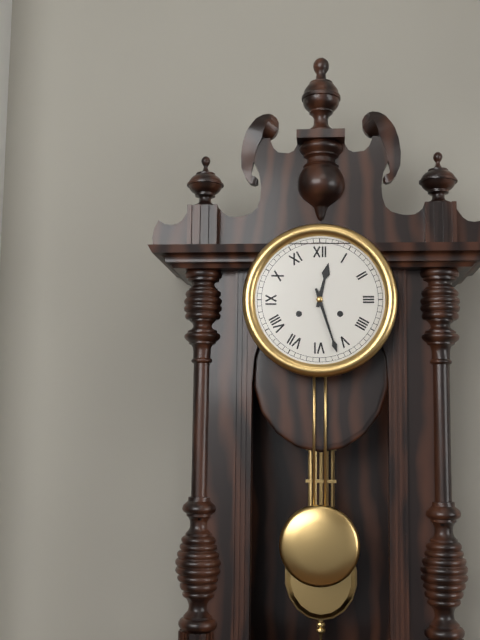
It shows 12.27
